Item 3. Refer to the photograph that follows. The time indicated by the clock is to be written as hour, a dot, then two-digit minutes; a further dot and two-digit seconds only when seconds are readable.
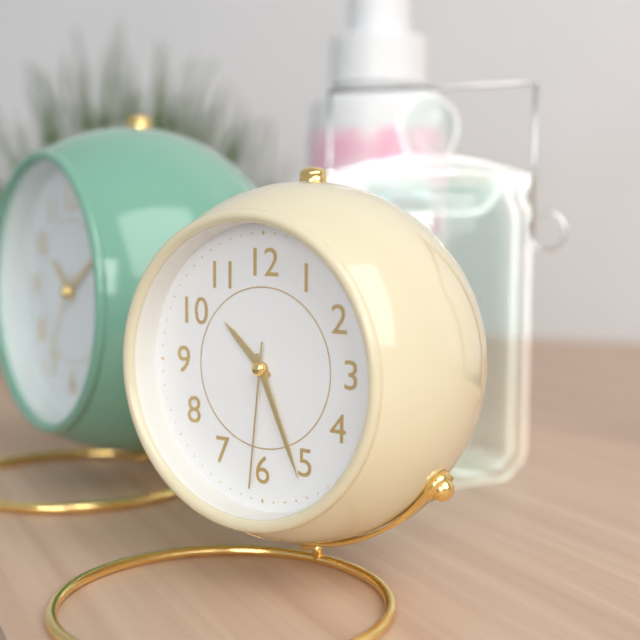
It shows 10.26.31
